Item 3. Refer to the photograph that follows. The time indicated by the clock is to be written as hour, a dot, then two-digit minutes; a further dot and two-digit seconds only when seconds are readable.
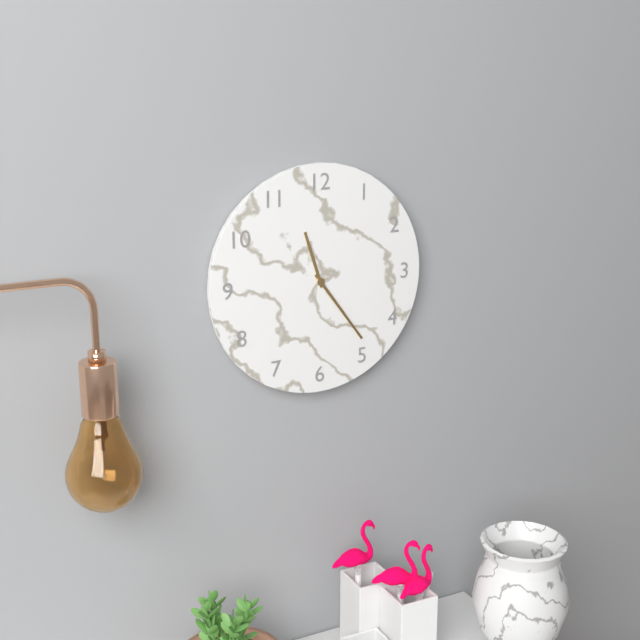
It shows 11.24
